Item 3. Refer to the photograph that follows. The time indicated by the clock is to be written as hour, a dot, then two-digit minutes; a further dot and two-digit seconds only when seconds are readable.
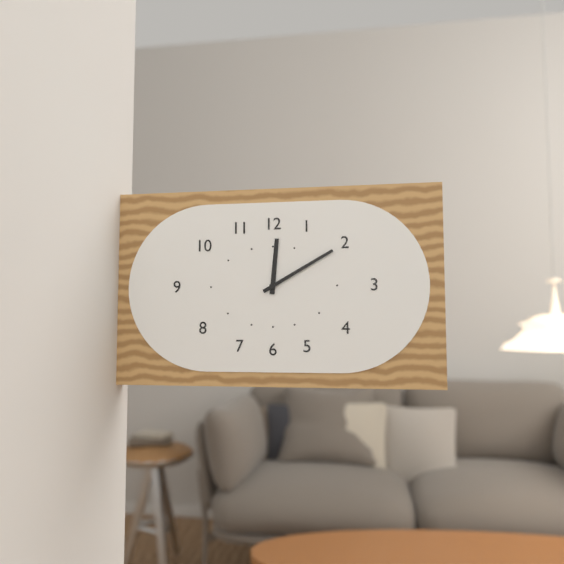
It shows 12.10
